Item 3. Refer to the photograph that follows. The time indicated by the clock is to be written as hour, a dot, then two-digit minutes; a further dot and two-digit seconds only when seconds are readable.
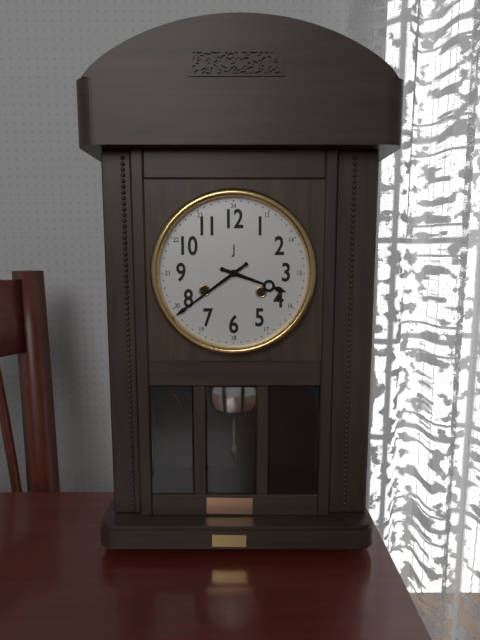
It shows 3.39
